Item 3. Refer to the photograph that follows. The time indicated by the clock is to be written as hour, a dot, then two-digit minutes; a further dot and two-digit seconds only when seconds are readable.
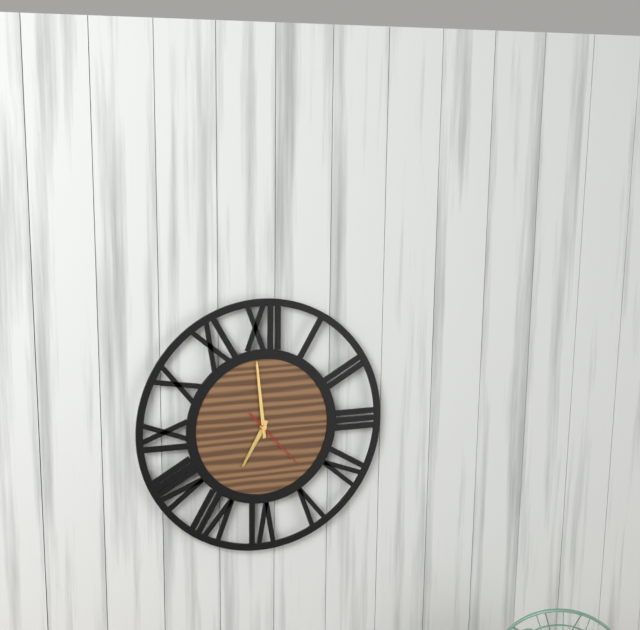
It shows 6.59.23
